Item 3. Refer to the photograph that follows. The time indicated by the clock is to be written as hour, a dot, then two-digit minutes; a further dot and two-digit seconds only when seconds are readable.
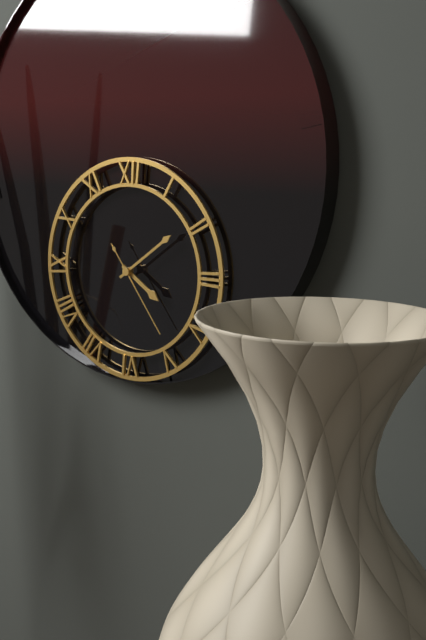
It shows 4.09.24
